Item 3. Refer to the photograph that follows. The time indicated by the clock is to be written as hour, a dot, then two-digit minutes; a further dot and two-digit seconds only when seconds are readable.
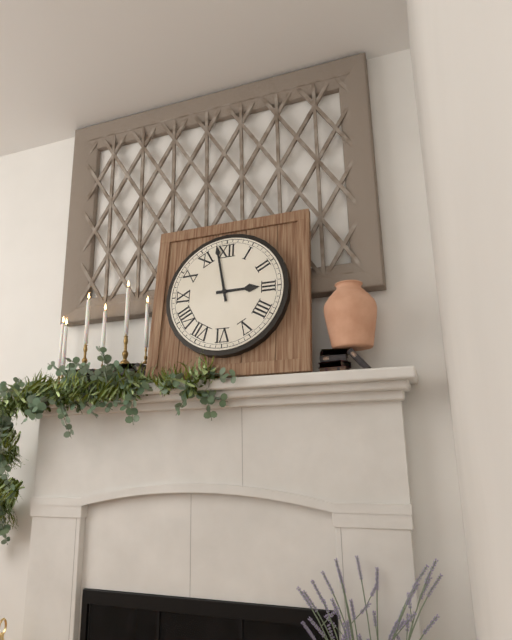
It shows 2.58
